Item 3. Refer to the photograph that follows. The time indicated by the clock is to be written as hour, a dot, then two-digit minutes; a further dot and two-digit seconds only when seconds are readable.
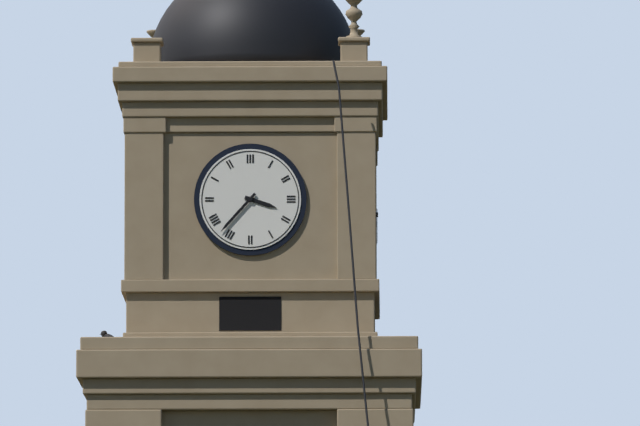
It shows 3.37
